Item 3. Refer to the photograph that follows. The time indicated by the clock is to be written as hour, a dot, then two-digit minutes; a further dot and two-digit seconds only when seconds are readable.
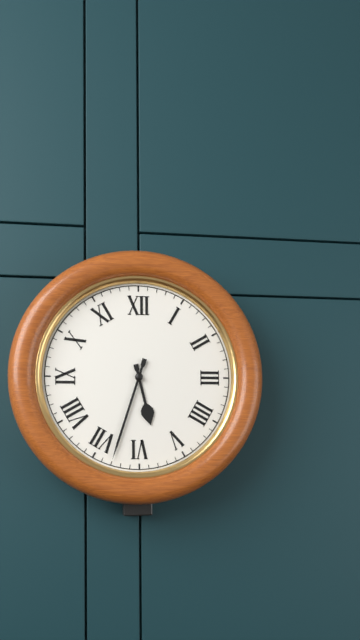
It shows 5.33
